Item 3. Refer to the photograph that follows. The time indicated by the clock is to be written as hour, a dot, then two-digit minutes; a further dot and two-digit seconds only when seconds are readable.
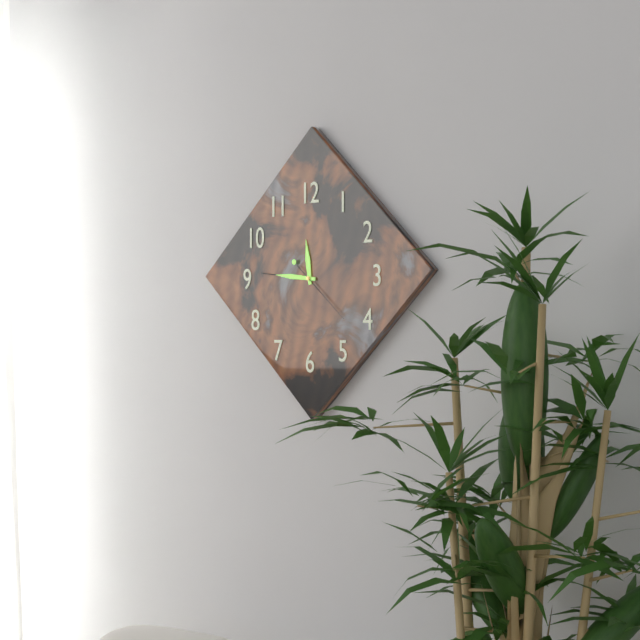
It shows 11.46.22
